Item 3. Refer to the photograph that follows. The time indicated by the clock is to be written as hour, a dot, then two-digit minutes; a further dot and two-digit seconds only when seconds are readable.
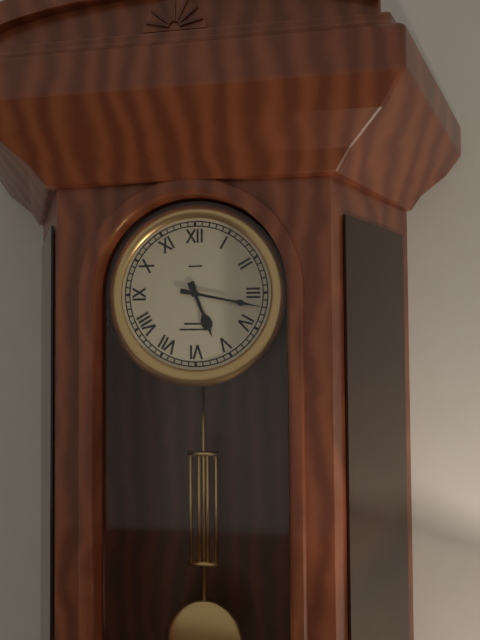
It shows 5.17
